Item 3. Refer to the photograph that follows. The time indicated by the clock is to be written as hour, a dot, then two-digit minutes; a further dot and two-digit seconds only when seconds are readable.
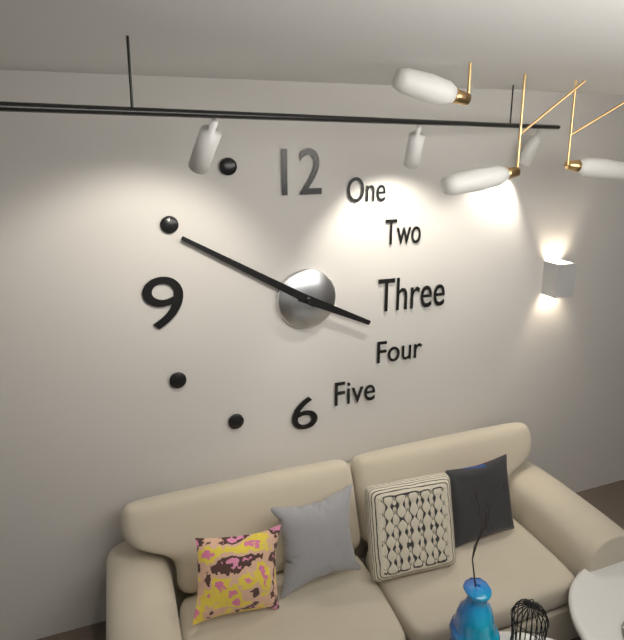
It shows 3.50
